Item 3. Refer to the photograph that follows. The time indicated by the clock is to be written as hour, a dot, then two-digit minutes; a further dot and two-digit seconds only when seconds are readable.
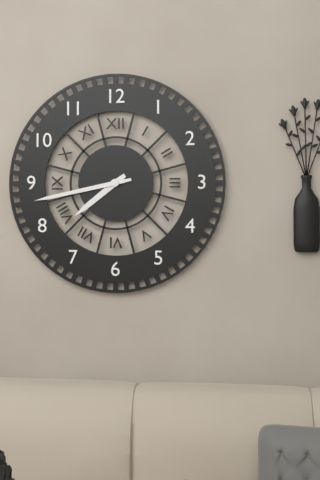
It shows 7.43
